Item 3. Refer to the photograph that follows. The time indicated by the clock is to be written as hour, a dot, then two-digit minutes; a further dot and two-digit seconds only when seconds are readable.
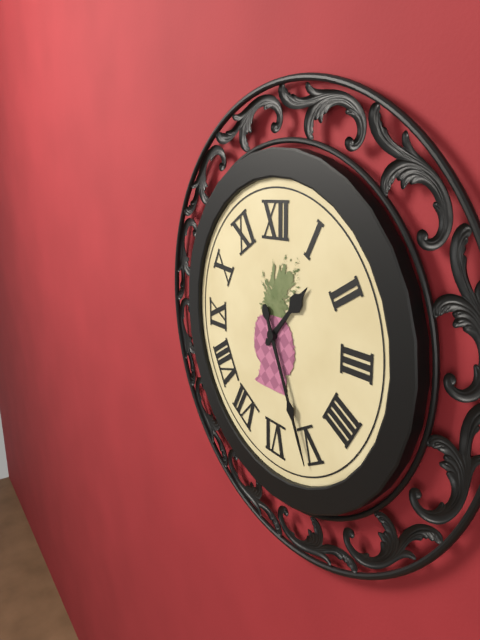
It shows 1.26
